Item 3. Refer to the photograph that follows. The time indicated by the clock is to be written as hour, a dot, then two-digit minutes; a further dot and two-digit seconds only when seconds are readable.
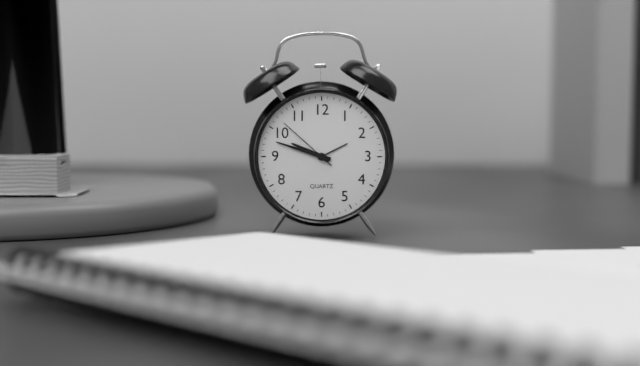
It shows 9.48.52
